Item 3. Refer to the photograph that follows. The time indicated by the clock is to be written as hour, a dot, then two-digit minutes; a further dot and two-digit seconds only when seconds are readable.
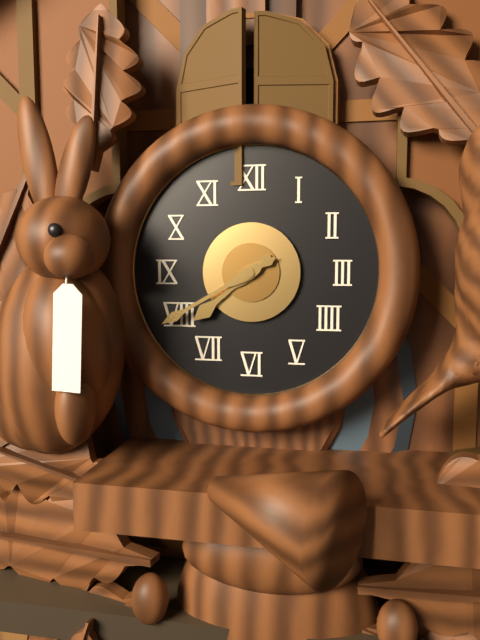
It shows 7.40
